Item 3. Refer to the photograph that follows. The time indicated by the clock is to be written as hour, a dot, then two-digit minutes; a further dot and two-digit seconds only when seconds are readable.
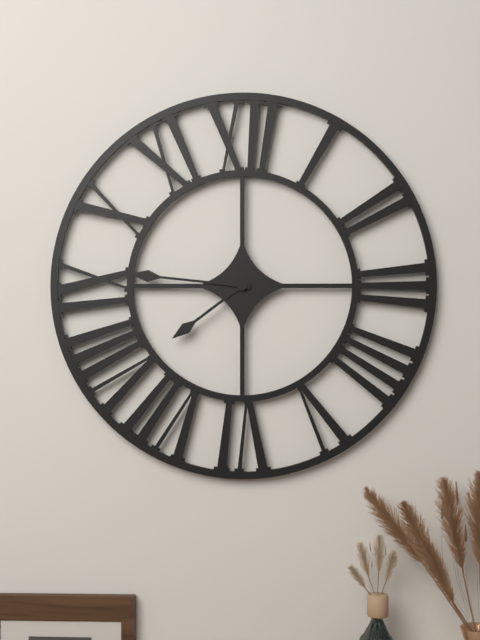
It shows 7.46
